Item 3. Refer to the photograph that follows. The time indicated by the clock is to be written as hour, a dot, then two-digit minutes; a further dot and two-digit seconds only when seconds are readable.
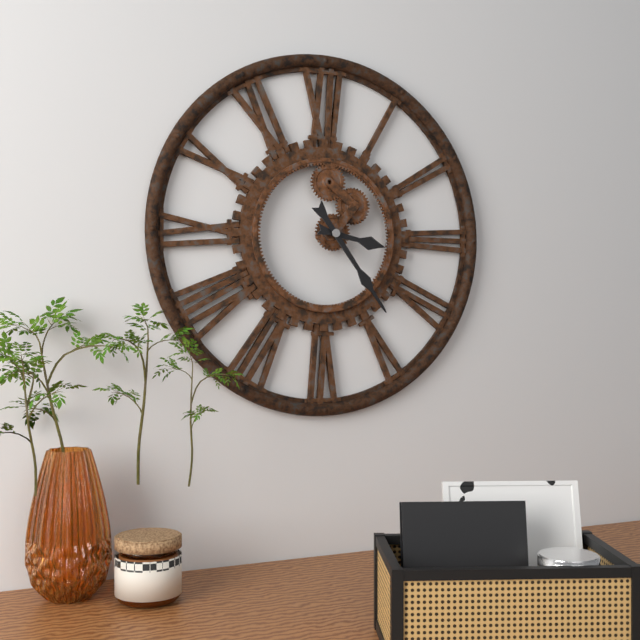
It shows 3.24
